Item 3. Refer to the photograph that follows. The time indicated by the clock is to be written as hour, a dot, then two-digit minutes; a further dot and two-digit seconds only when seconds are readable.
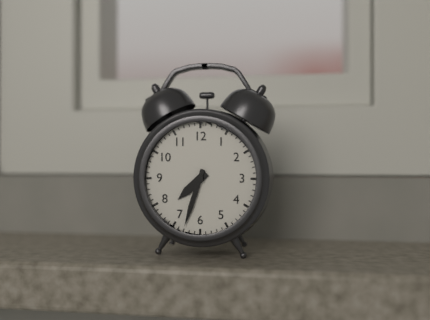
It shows 7.33
